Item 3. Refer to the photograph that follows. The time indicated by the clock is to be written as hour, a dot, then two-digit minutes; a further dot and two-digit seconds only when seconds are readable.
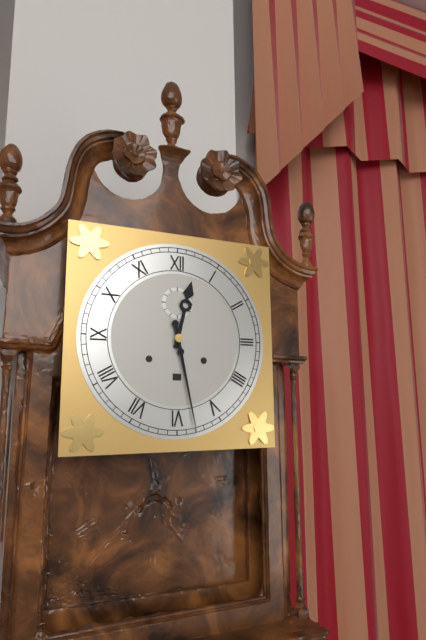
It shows 12.28
